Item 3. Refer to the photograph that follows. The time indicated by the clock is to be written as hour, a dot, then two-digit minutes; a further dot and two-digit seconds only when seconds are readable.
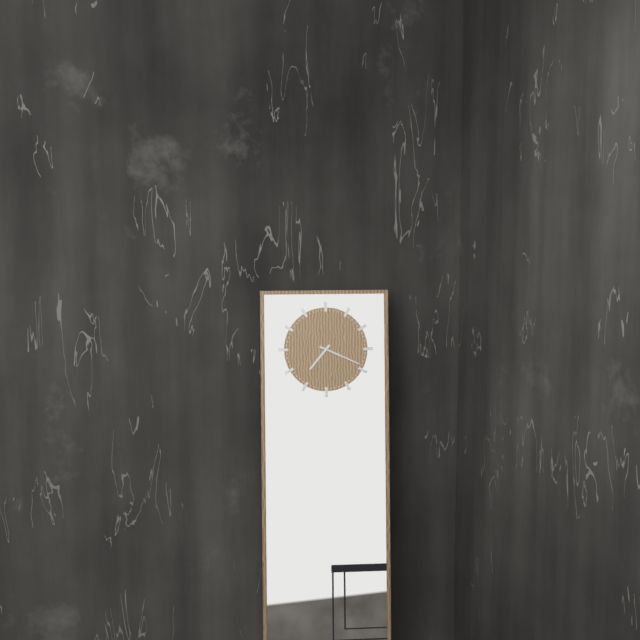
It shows 7.19
